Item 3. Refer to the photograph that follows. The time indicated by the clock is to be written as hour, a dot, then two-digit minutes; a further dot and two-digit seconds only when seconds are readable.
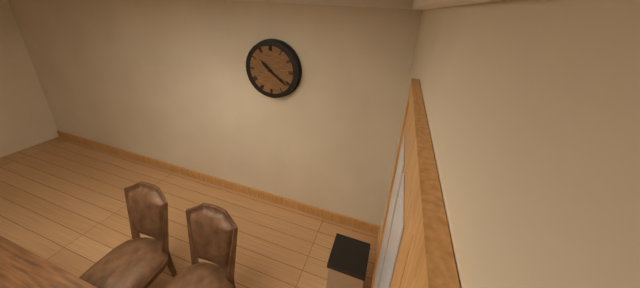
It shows 10.21
